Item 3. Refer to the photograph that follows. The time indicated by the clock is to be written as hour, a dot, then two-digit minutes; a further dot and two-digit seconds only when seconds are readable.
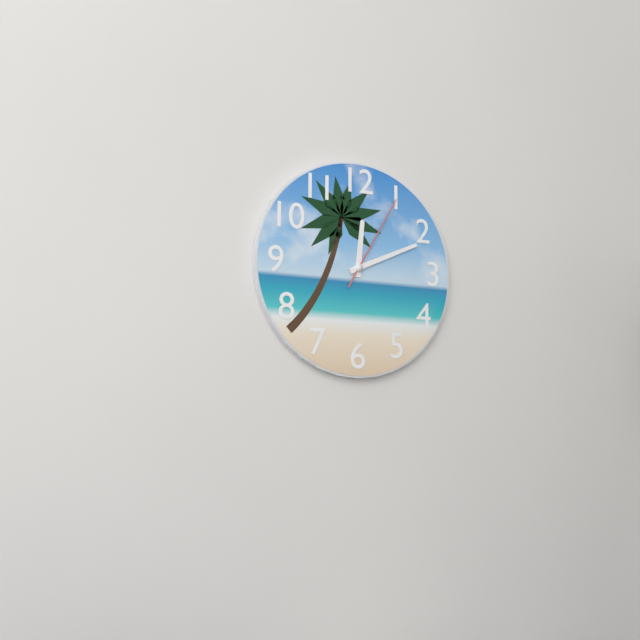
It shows 12.11.05
